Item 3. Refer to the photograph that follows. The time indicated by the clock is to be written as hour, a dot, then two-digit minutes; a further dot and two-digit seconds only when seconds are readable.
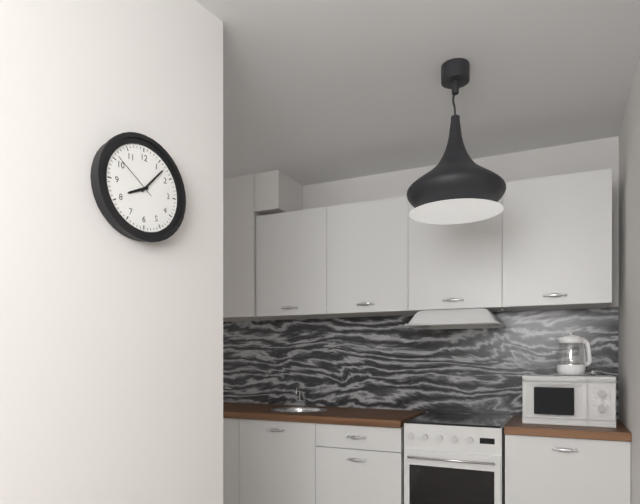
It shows 8.07.51
